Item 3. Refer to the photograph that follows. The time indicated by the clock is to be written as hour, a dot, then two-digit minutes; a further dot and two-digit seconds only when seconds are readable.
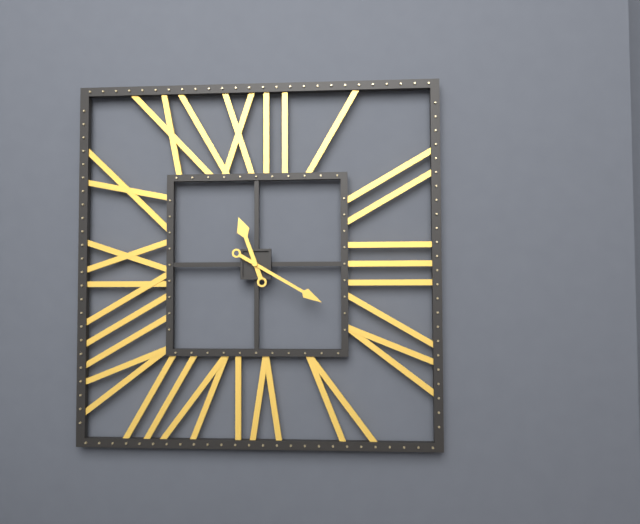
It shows 11.20
